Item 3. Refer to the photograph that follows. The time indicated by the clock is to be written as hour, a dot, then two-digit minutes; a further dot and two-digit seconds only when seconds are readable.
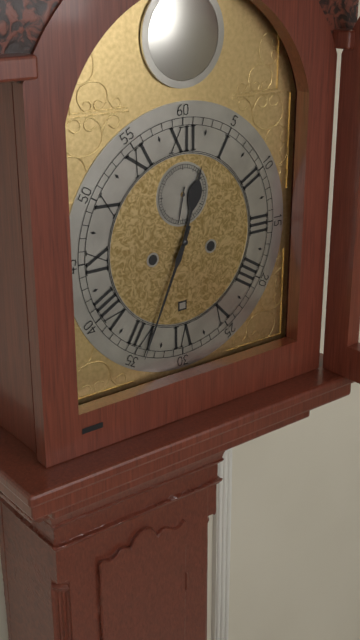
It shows 12.34
